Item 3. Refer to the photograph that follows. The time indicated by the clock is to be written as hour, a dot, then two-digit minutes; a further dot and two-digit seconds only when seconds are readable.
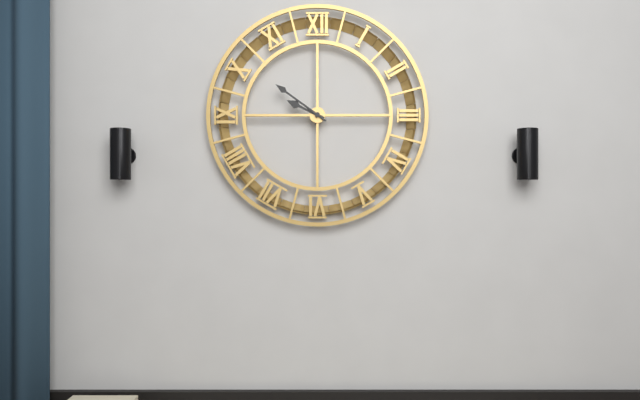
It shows 9.51
